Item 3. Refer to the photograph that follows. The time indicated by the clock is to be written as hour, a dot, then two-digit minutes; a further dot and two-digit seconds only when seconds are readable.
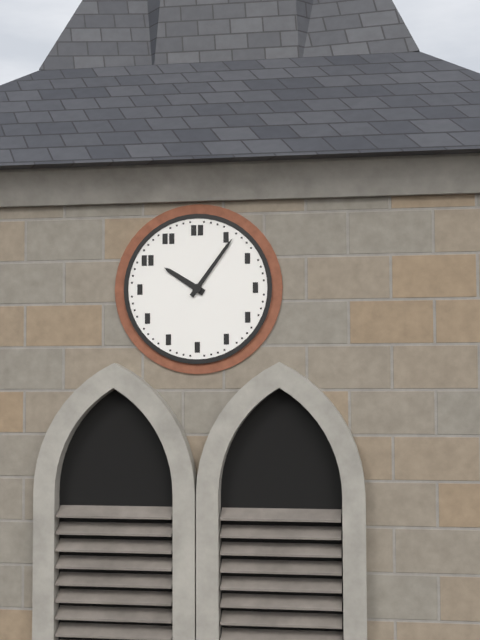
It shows 10.06
